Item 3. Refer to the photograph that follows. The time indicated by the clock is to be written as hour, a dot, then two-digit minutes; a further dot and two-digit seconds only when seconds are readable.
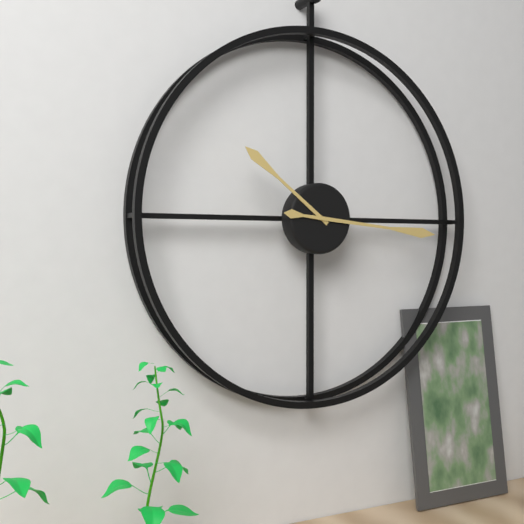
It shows 10.16
